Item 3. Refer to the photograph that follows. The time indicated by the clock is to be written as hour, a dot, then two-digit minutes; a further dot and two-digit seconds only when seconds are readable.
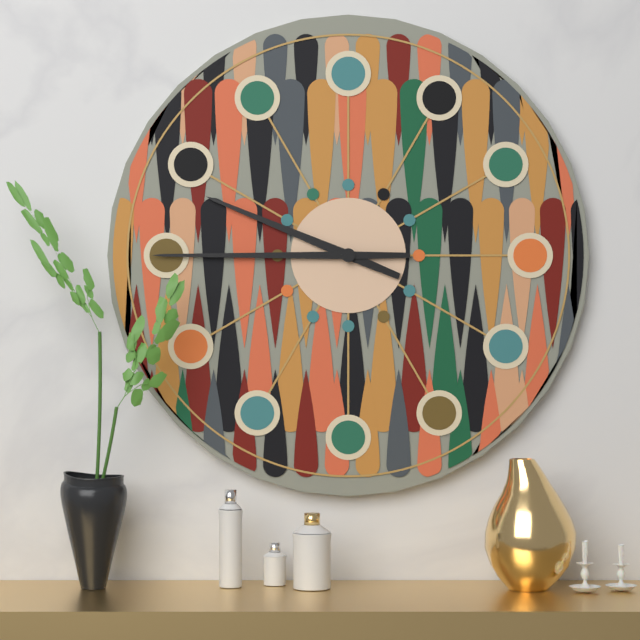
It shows 9.45
